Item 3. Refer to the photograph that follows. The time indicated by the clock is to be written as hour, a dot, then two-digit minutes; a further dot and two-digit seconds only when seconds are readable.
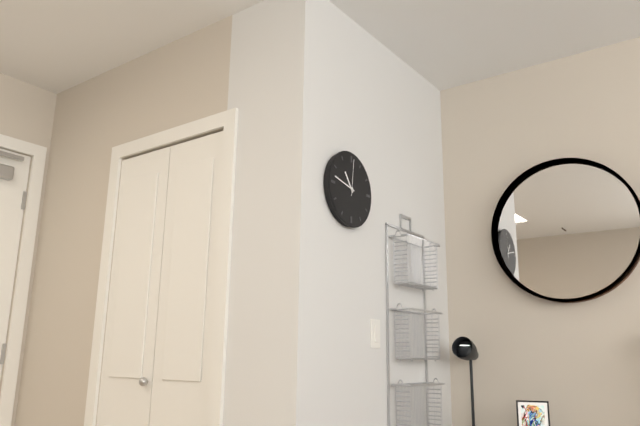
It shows 10.47
